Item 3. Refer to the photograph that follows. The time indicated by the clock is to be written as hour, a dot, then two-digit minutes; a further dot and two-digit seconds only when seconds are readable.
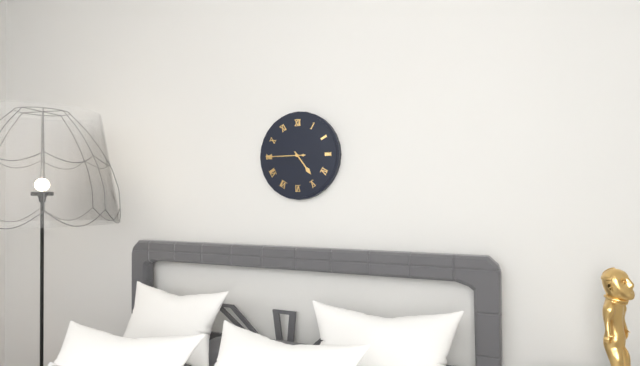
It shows 4.45
